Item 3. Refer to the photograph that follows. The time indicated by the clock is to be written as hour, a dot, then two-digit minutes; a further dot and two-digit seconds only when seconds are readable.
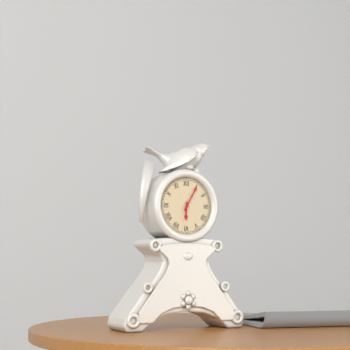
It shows 6.05
